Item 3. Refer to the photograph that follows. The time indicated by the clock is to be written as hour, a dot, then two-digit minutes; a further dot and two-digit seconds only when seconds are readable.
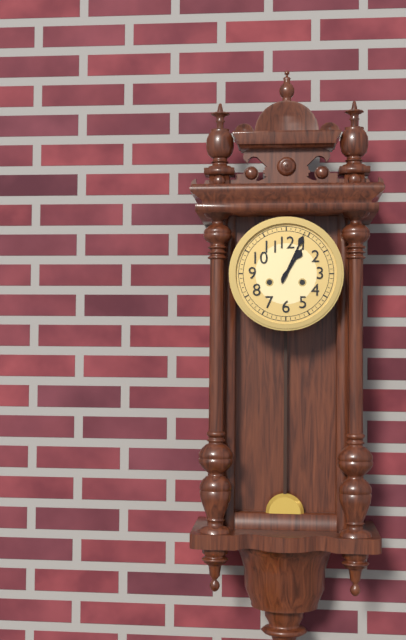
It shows 1.04
